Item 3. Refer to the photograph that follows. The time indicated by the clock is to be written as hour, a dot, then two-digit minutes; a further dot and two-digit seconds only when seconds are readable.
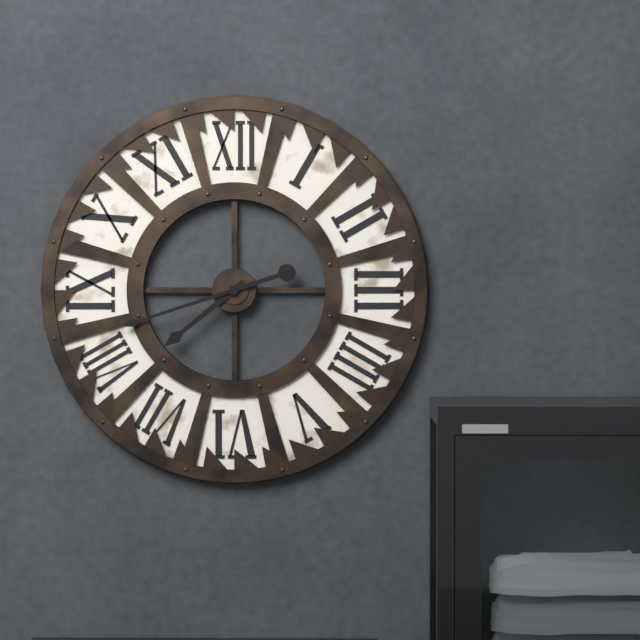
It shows 7.42
